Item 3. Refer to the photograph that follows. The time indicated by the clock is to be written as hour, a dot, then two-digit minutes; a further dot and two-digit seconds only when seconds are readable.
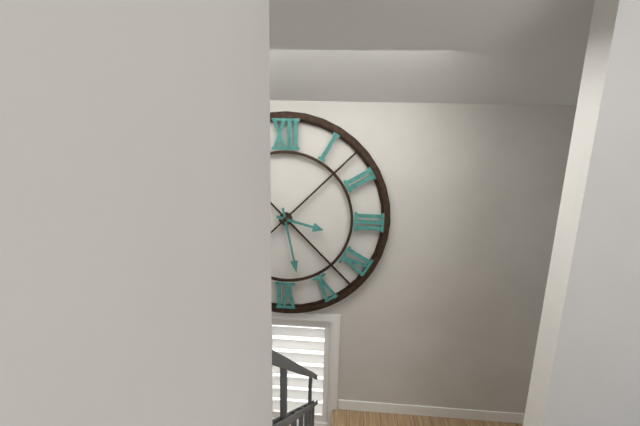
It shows 3.28
